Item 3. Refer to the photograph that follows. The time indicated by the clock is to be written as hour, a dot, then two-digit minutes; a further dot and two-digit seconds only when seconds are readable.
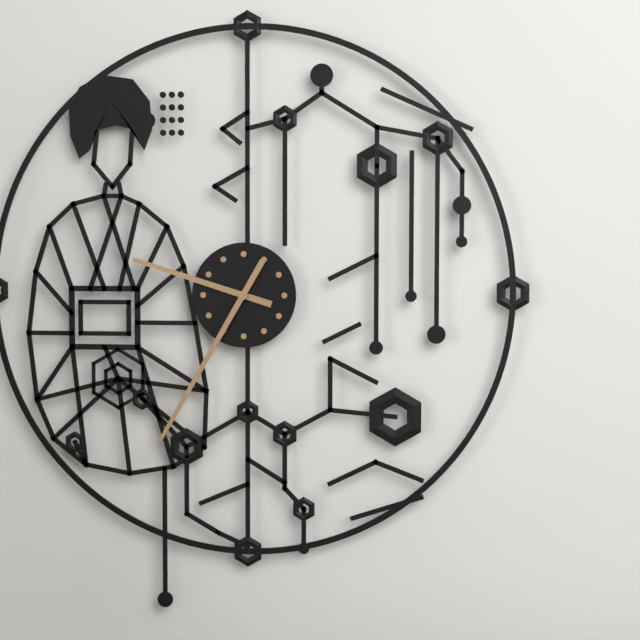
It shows 9.35
